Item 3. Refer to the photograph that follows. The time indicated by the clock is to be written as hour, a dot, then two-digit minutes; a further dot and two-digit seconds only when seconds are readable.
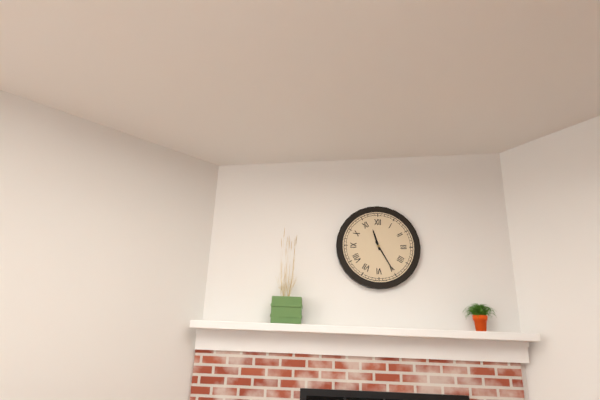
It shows 11.25
